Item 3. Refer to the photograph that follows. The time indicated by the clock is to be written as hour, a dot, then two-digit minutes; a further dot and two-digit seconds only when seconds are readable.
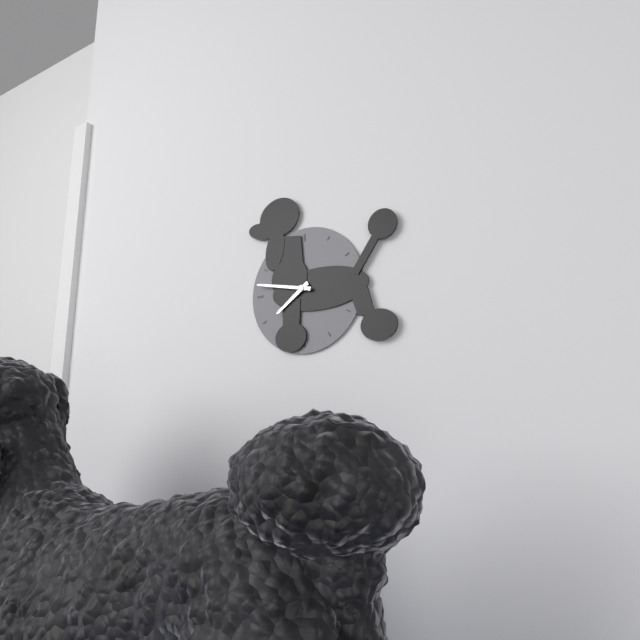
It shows 7.47
